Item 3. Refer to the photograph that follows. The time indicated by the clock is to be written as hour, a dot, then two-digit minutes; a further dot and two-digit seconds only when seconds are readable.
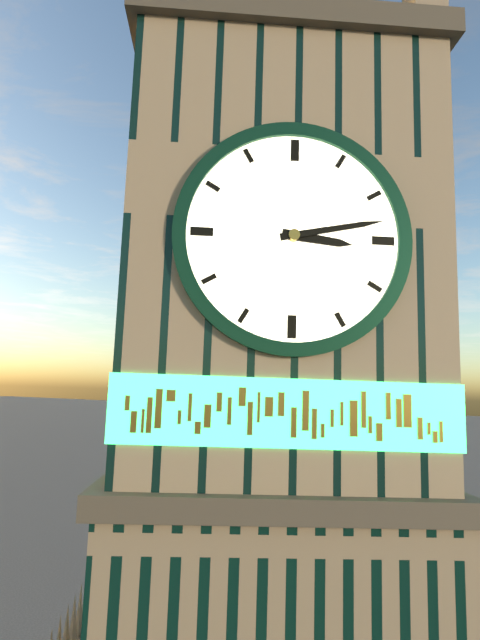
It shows 3.13
